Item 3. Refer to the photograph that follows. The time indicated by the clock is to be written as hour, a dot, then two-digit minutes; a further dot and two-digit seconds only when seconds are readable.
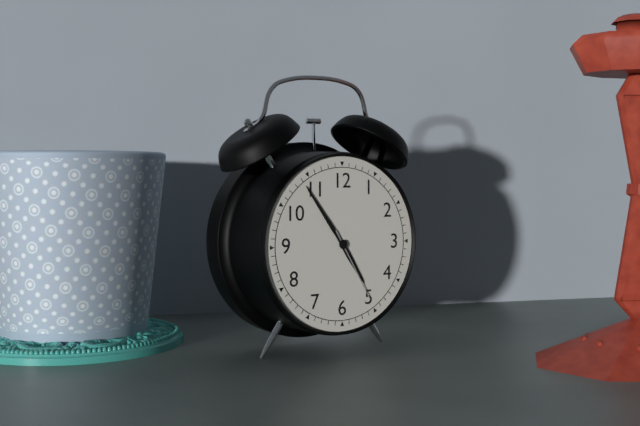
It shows 4.54.25
